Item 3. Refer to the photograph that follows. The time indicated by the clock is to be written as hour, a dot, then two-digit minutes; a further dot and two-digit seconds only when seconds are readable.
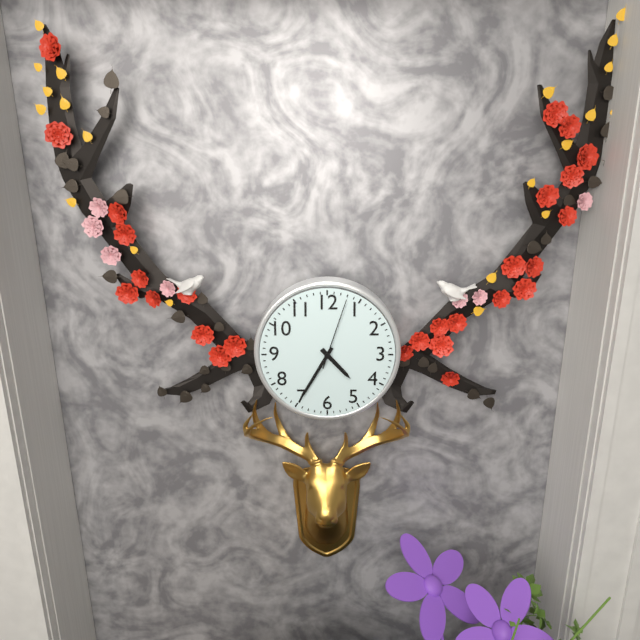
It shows 4.35.03
